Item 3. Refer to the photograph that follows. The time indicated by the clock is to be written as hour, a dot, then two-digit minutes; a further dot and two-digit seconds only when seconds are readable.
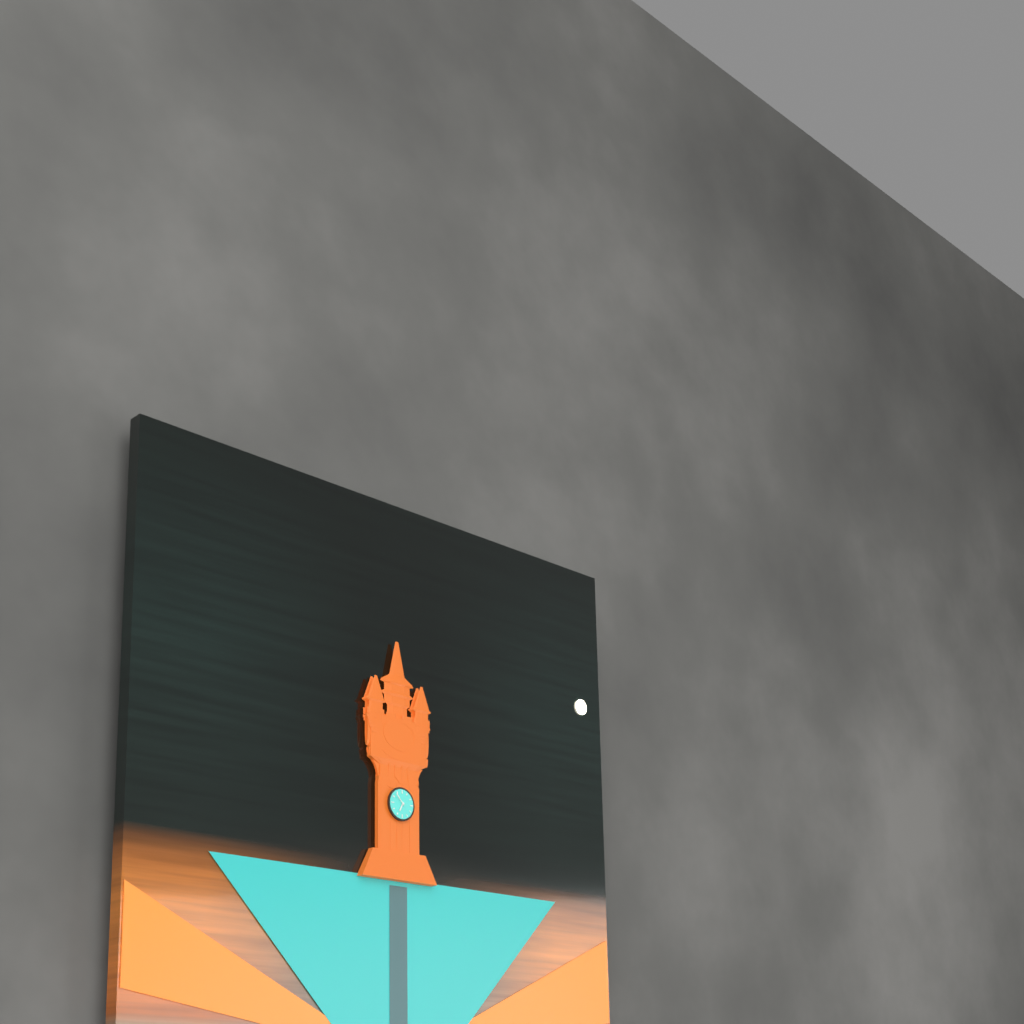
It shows 6.53
